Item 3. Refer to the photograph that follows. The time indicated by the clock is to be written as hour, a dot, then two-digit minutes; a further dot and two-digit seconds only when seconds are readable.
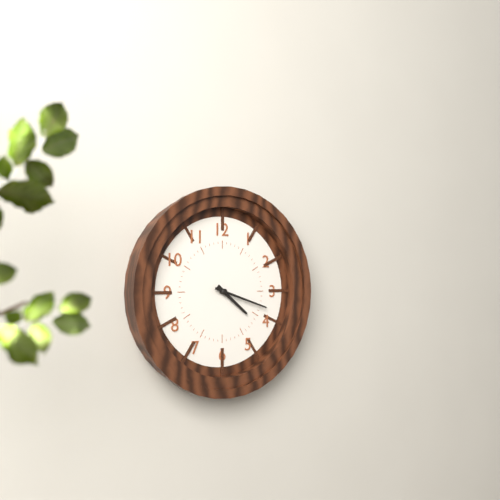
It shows 4.18
